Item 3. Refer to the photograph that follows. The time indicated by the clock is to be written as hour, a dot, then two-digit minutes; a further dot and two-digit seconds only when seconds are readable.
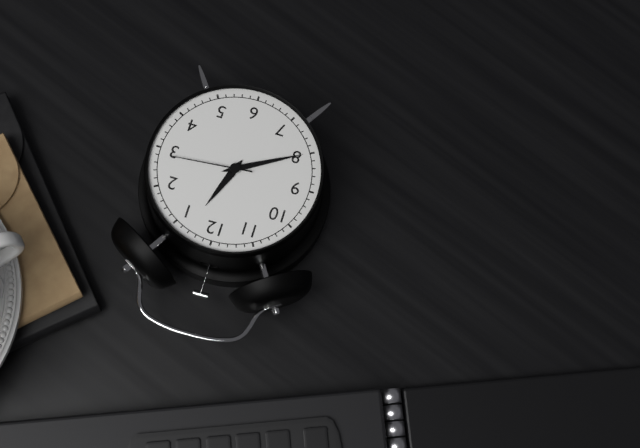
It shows 12.40.14
